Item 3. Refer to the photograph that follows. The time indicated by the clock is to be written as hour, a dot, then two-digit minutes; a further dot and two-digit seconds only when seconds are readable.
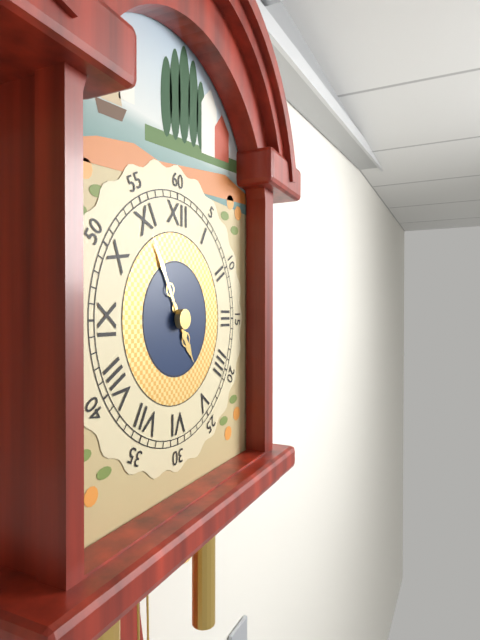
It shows 4.55
